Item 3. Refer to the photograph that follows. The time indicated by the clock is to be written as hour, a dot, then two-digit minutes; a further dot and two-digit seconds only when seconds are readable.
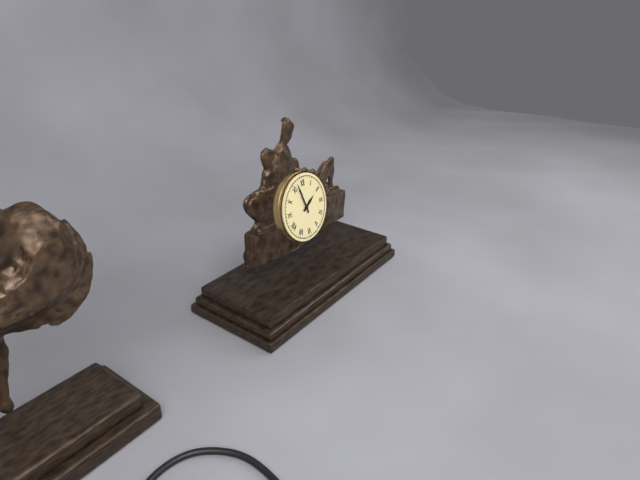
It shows 1.57
